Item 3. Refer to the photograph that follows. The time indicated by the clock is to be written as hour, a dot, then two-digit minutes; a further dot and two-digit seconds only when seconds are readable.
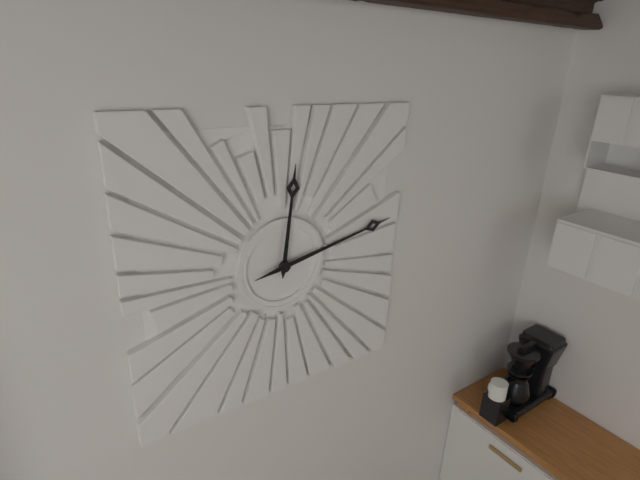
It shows 12.13
